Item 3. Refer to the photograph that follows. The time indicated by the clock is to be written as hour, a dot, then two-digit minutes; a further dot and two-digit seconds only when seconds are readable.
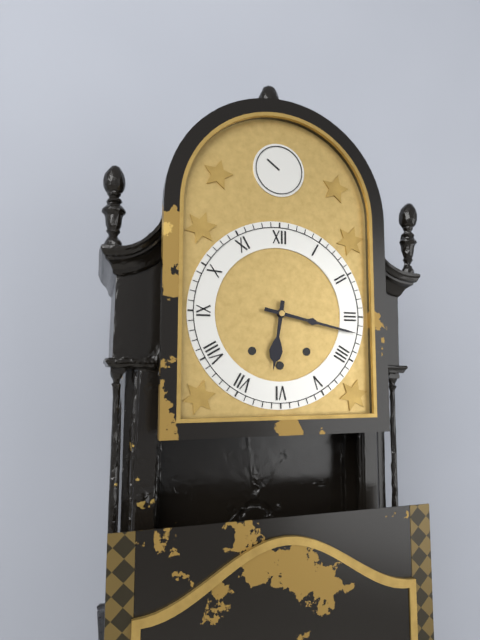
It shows 6.17
